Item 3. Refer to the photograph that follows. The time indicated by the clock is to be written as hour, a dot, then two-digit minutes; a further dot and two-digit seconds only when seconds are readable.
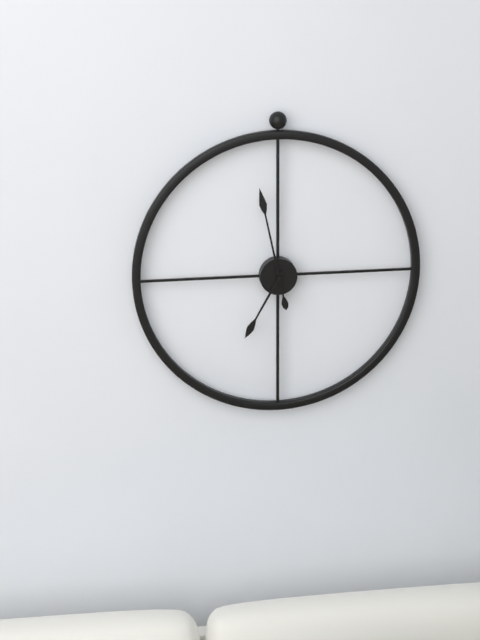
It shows 6.58
